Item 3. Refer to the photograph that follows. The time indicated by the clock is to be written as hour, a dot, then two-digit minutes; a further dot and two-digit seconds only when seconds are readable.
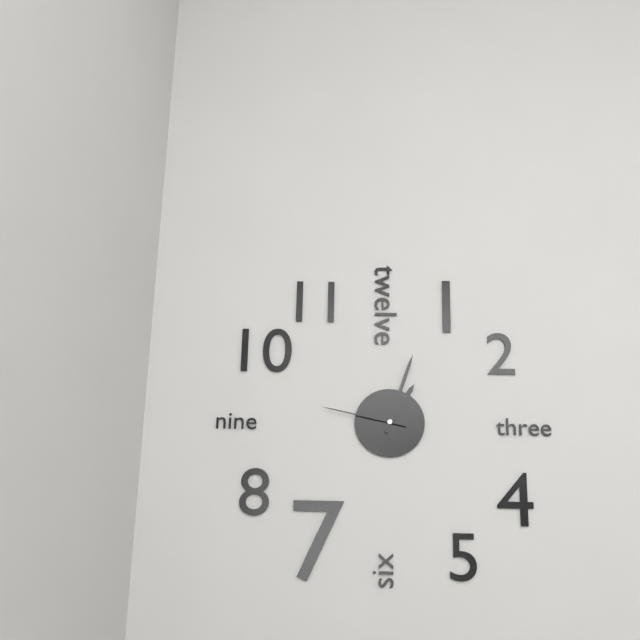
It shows 1.03.47
